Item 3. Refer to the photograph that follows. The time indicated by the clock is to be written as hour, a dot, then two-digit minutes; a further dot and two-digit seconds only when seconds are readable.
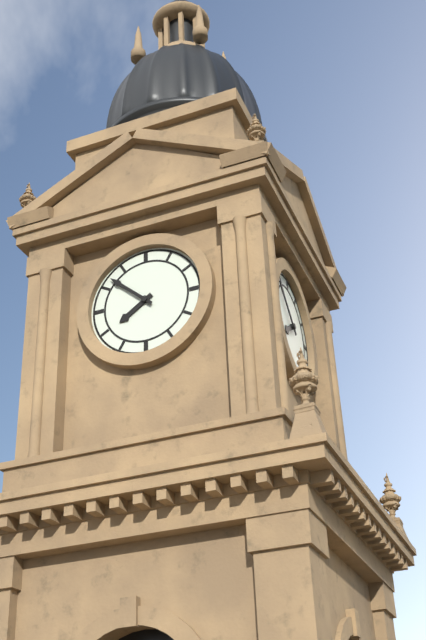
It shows 7.52
